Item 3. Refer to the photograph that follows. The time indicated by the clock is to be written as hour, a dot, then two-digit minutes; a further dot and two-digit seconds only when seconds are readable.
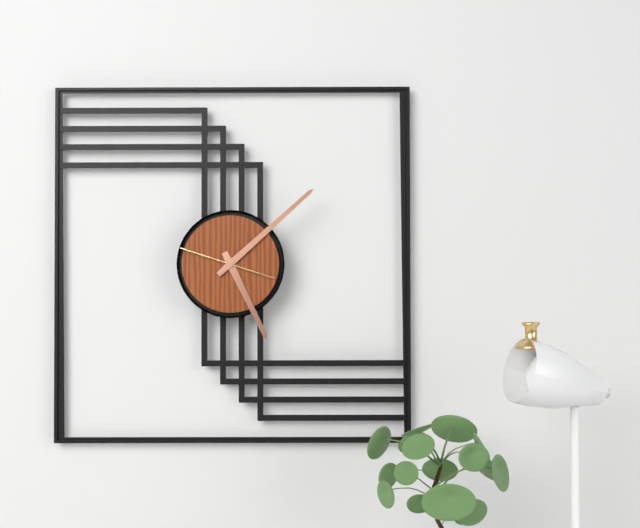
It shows 5.08.48
